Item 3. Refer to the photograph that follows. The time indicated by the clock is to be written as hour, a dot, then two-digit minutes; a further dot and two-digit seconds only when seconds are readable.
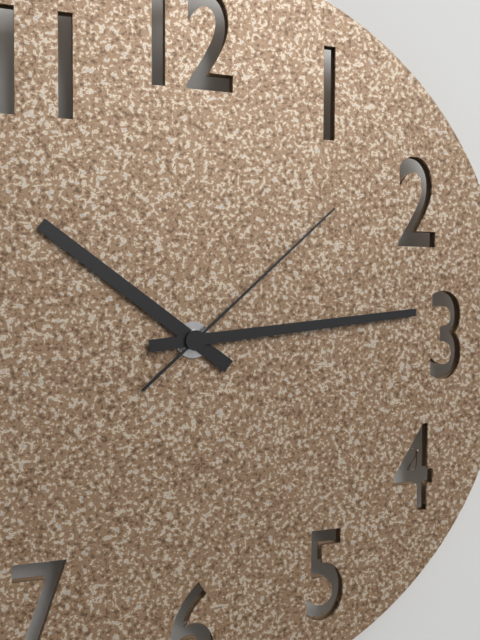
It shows 10.14.08
